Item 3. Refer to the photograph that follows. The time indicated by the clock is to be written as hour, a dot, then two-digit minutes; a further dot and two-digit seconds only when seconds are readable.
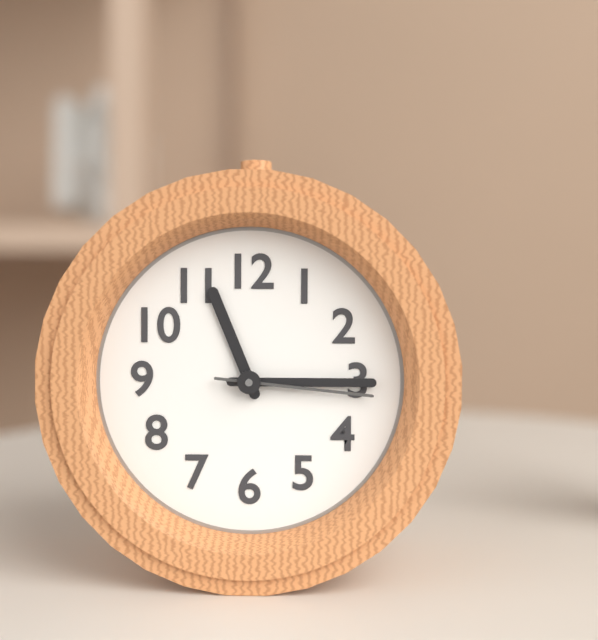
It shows 11.15.16
